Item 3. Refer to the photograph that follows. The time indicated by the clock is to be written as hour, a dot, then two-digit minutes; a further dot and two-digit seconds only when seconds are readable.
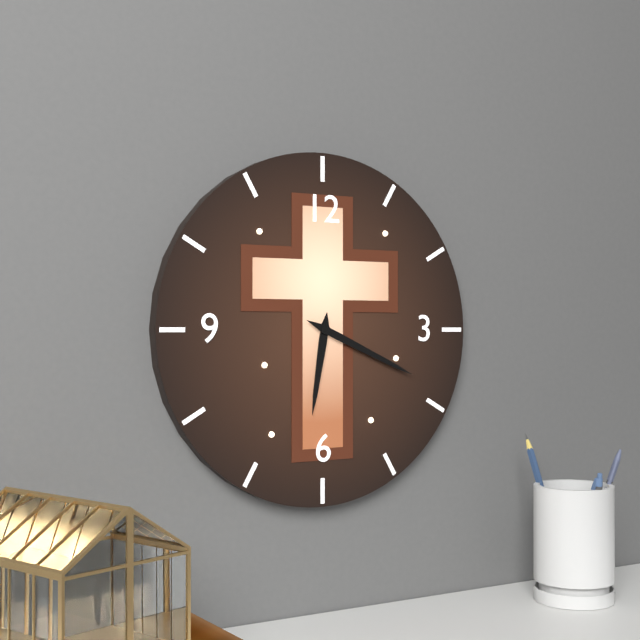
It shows 6.19
